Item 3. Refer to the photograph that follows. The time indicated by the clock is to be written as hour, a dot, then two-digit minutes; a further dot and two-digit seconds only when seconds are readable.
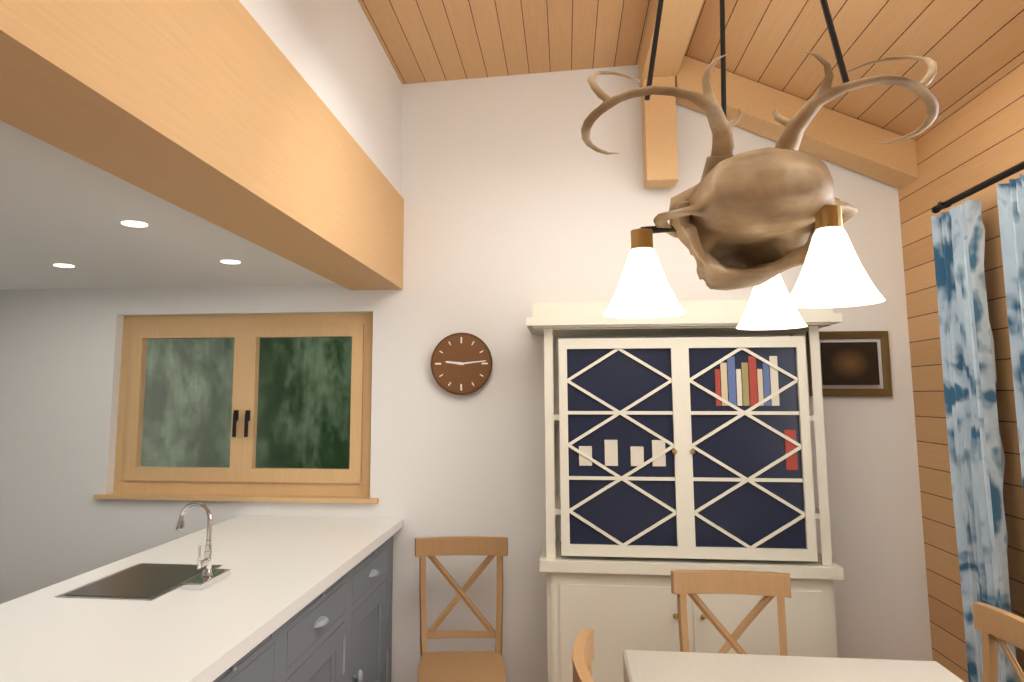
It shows 9.14
